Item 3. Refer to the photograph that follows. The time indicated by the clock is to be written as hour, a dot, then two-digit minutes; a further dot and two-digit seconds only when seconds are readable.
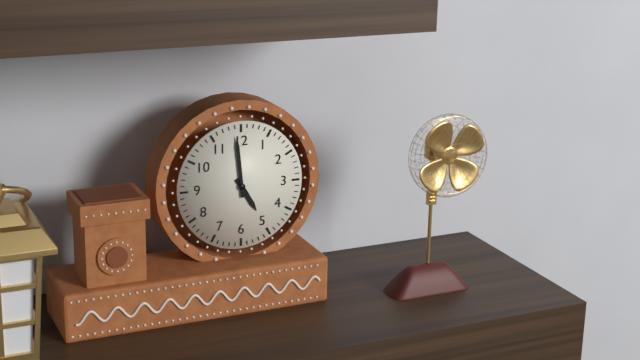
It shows 4.59
